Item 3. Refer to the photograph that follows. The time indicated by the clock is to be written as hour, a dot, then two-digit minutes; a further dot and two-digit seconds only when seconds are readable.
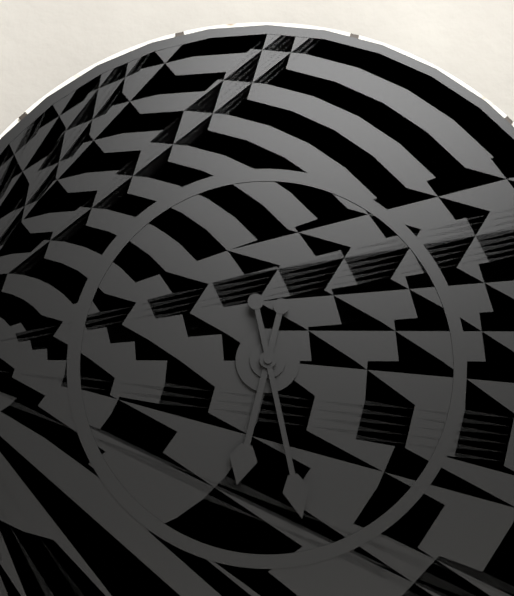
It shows 6.28
